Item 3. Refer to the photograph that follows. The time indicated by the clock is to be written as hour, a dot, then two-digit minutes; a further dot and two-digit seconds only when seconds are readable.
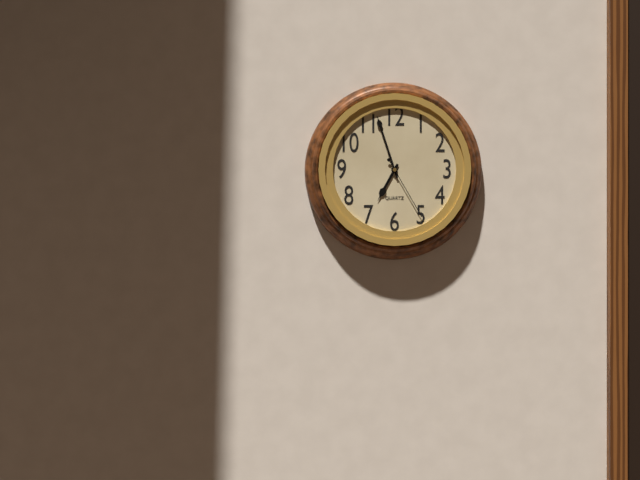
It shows 6.57.25
